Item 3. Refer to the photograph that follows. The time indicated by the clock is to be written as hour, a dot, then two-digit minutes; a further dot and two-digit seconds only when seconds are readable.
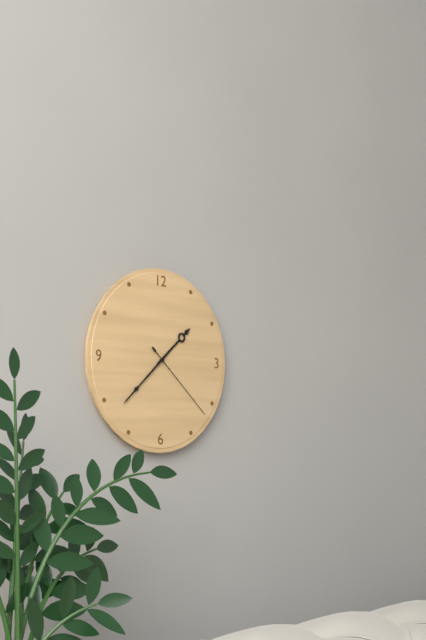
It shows 1.38.22
